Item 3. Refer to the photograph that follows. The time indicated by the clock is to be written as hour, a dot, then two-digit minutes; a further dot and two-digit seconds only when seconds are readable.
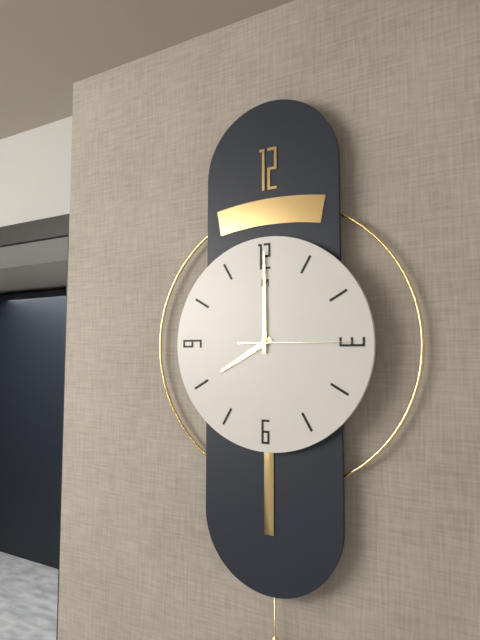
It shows 8.00.15
